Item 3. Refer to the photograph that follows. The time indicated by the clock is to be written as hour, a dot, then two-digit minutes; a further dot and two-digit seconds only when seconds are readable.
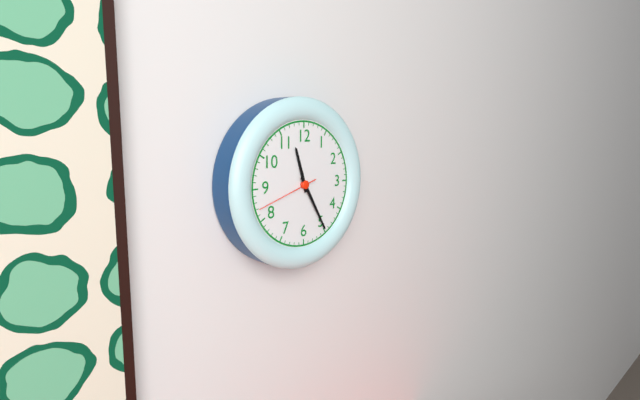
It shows 11.25
